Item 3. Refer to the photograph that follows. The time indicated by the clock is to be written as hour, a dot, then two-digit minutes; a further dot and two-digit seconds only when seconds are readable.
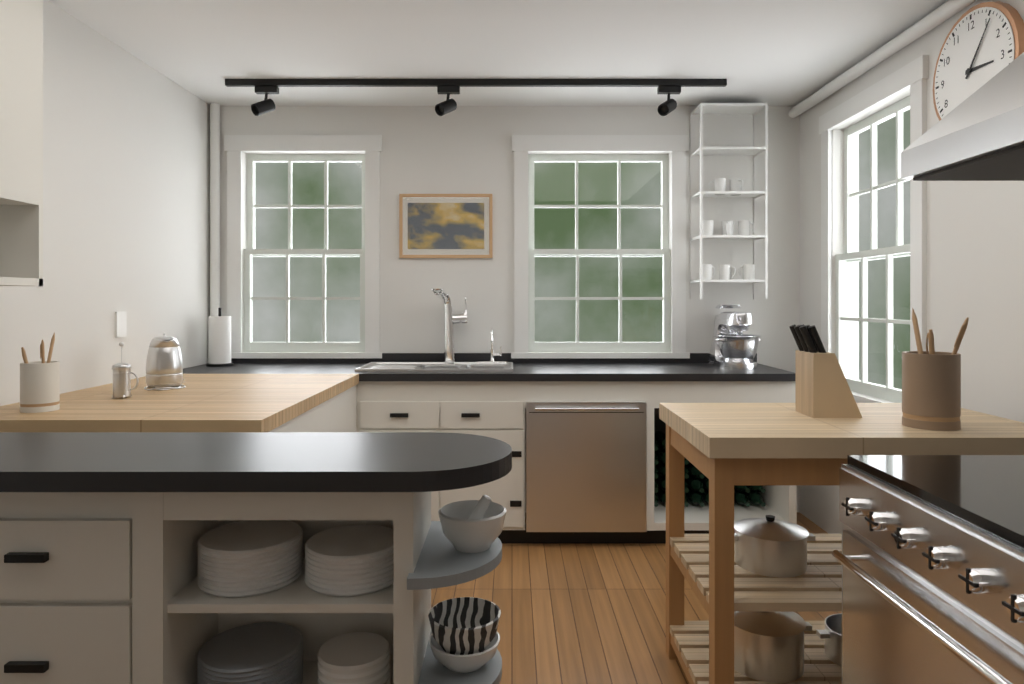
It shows 3.06
